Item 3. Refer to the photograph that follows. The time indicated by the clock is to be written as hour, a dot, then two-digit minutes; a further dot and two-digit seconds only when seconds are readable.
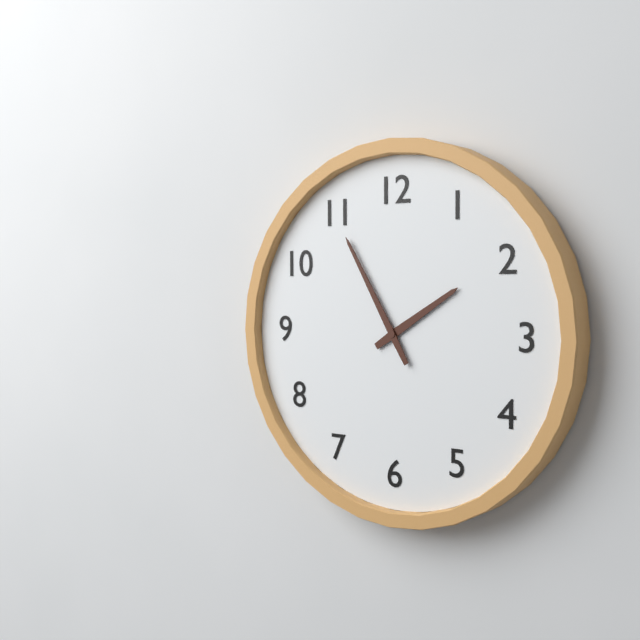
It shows 1.55
